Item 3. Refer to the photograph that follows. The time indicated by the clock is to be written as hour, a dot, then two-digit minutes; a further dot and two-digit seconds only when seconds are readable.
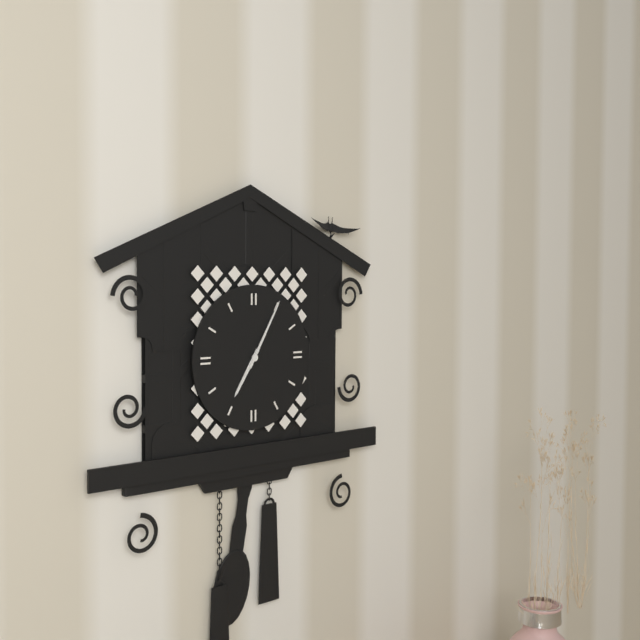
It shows 7.05
